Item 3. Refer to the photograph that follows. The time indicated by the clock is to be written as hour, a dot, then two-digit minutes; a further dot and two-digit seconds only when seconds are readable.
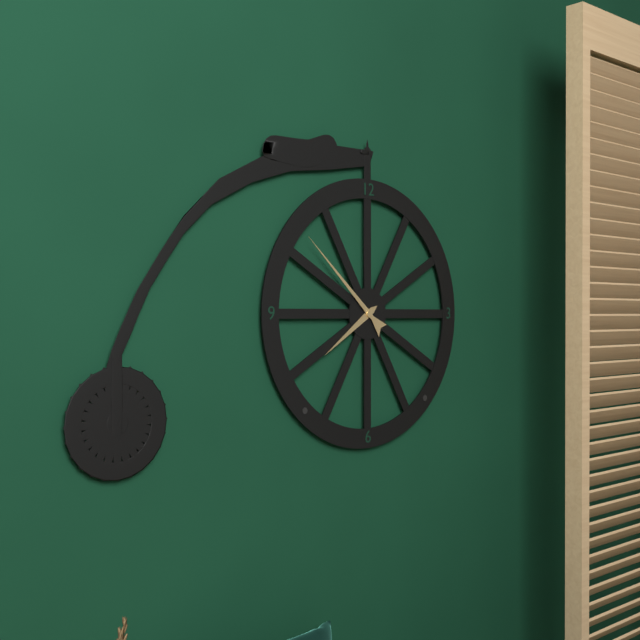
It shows 7.52
